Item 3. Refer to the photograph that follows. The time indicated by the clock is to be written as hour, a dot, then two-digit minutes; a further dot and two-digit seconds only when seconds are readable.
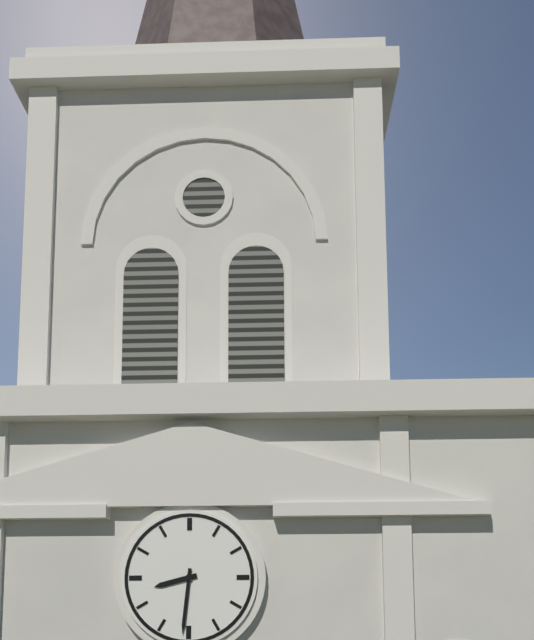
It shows 8.31
